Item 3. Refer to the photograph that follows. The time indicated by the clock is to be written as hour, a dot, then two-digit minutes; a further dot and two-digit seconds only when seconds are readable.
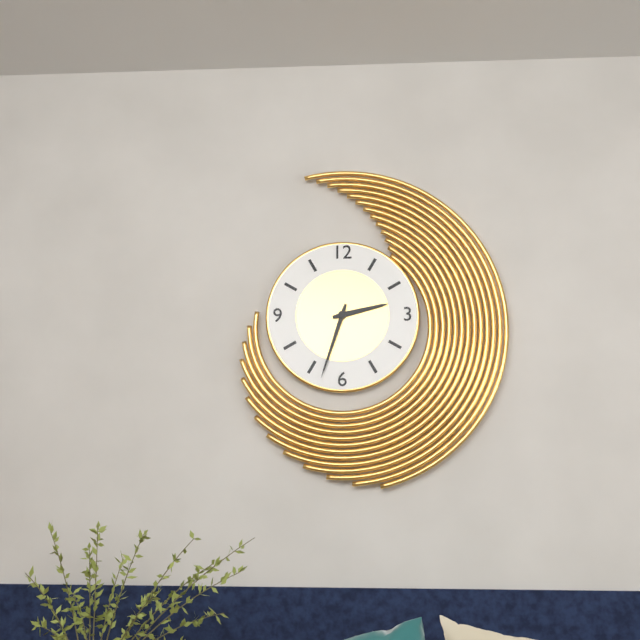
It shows 2.33
